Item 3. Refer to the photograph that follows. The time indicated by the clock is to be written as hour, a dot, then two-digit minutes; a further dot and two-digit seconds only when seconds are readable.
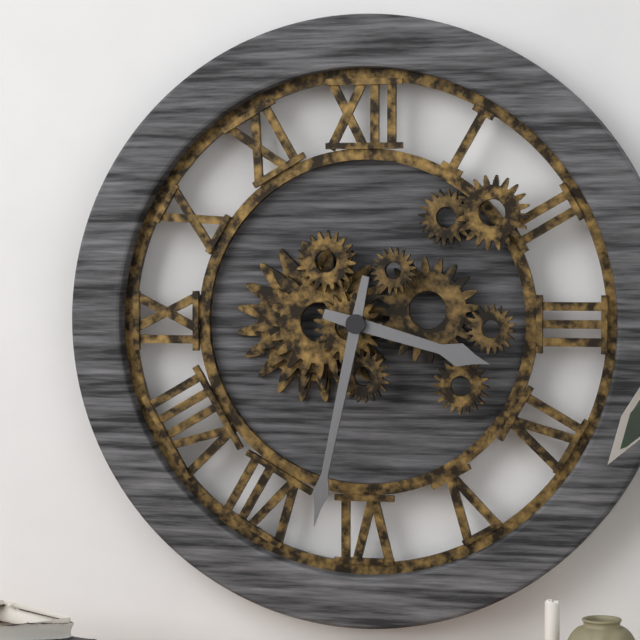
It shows 3.32
